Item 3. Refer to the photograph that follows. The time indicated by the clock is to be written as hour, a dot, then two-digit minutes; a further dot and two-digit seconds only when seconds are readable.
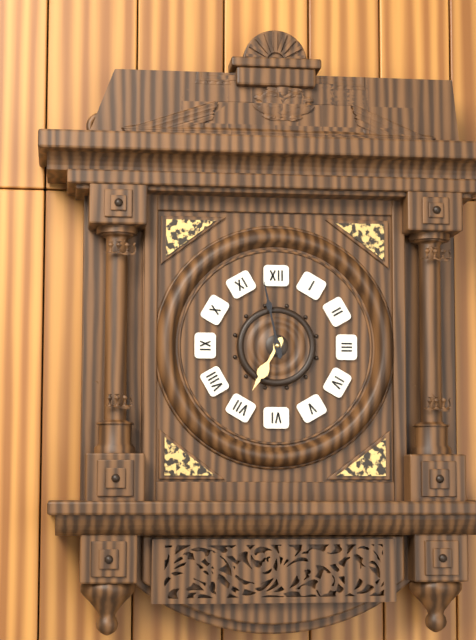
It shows 6.58
